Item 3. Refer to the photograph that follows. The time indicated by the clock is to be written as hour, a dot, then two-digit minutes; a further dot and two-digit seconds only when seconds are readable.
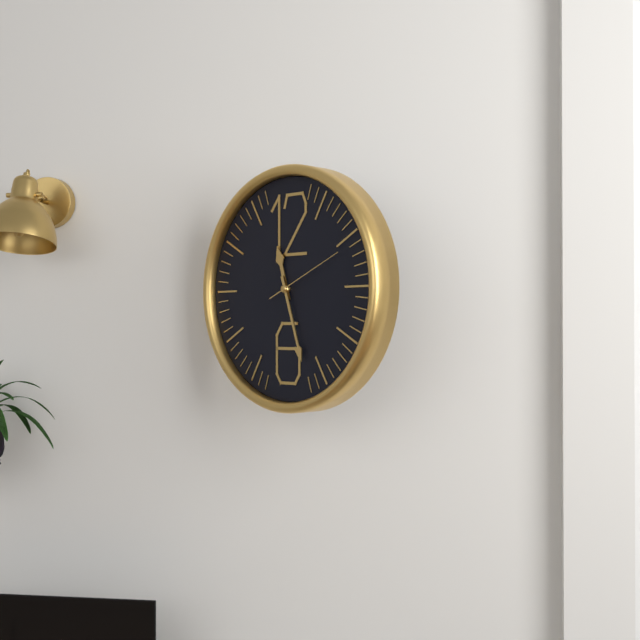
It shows 11.27.11
